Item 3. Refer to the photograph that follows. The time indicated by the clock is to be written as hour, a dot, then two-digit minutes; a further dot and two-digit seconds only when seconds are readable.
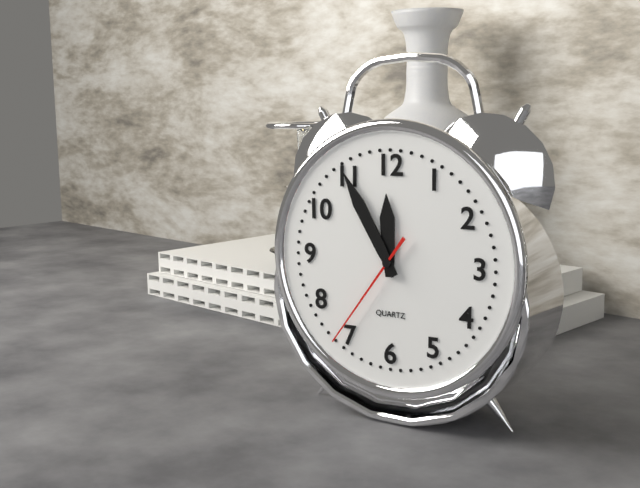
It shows 11.55.36
